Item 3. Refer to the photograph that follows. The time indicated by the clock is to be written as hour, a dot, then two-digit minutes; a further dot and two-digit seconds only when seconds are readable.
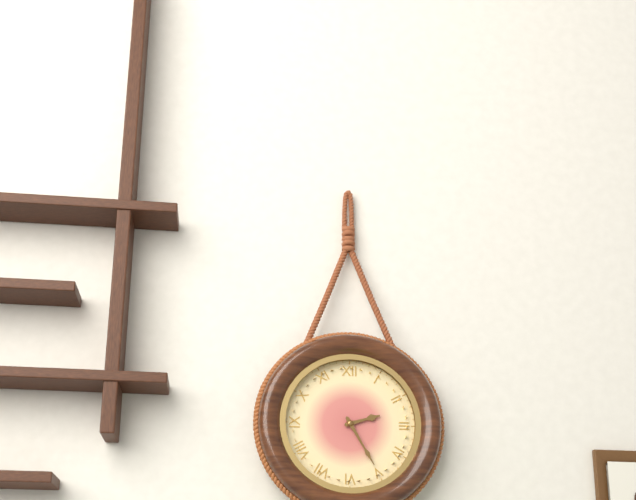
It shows 2.25
